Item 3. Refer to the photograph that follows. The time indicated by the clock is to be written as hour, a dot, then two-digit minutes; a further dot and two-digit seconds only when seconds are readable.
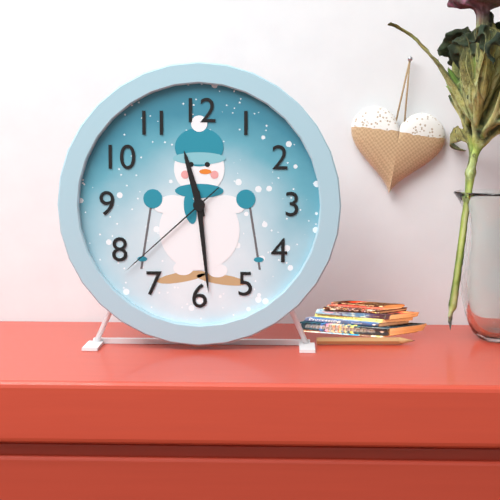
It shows 11.29.38
